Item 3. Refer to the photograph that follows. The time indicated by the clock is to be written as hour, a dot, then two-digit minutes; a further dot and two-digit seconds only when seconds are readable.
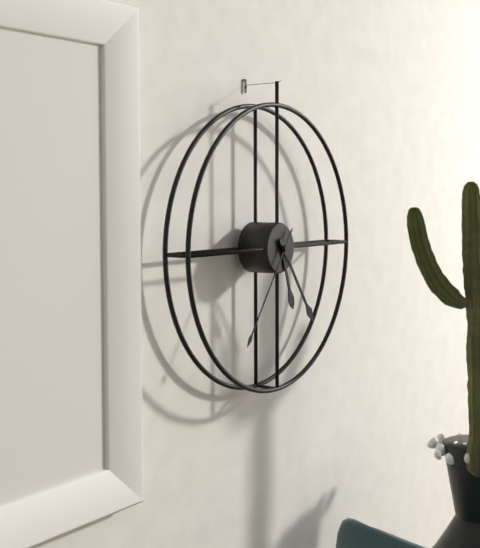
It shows 5.24.36
